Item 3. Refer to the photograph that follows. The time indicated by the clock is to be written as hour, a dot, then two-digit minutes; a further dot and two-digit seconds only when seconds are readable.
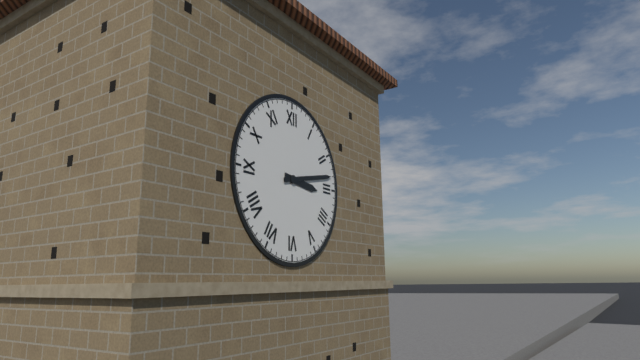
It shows 3.13
